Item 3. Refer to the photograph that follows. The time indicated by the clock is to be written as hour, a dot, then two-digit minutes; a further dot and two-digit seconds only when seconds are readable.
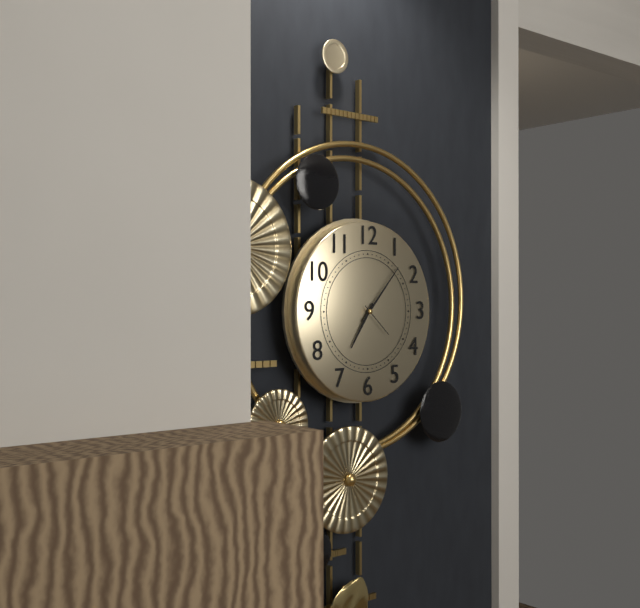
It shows 7.07
